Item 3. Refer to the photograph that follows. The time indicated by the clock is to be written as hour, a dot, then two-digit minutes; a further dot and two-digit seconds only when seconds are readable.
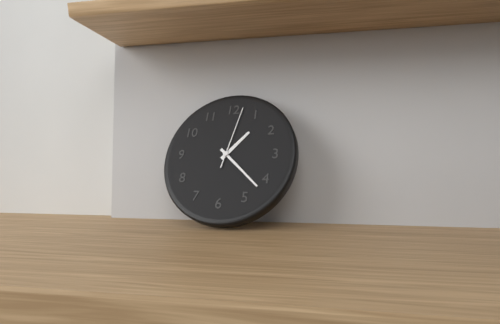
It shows 1.22.02
